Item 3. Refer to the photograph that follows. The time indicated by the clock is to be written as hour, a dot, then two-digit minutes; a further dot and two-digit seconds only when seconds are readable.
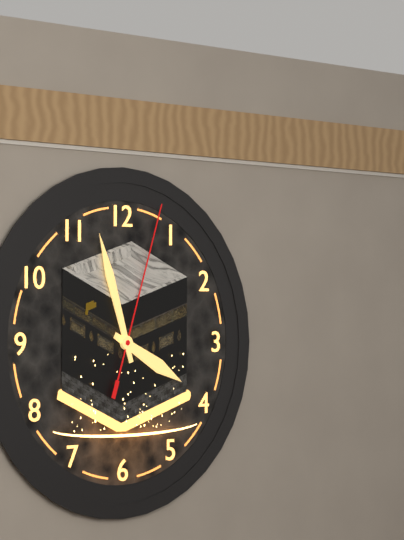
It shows 3.57.03
